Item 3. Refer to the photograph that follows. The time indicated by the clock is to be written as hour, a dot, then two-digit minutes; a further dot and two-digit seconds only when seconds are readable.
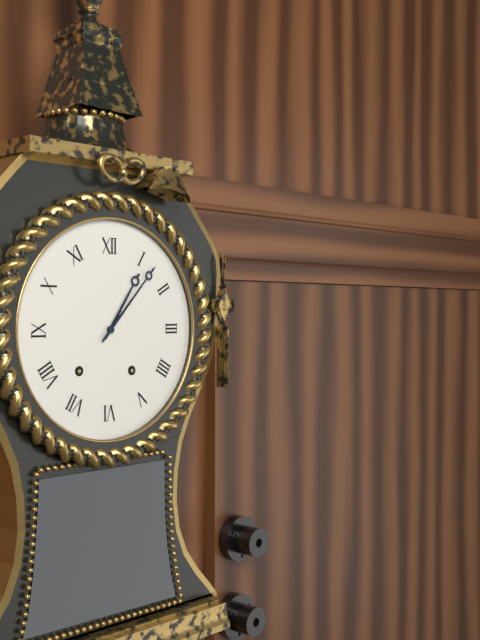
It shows 1.07
